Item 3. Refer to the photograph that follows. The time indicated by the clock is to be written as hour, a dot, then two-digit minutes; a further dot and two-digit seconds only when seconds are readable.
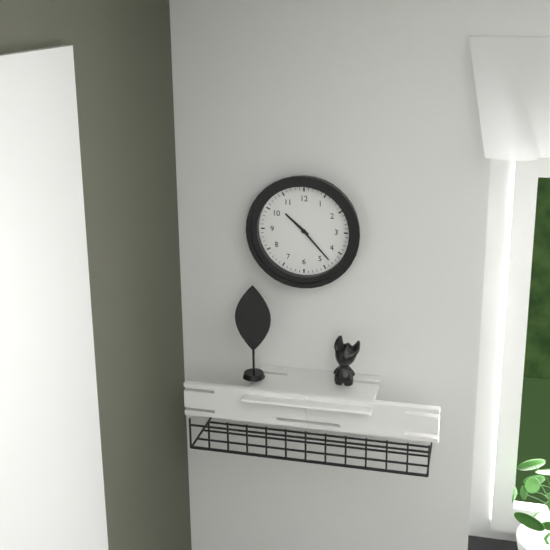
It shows 10.23
